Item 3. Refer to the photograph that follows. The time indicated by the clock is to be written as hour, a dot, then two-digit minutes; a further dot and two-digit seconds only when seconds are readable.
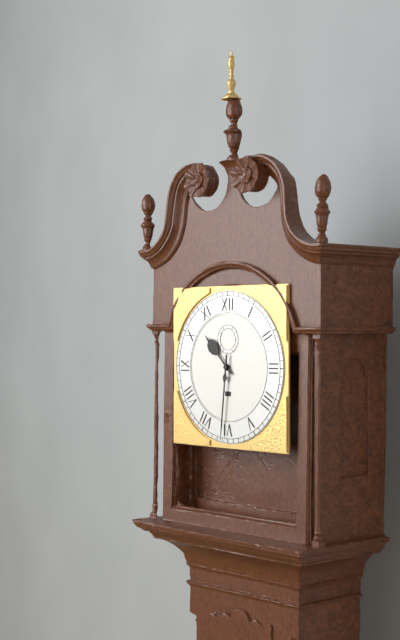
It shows 10.31
